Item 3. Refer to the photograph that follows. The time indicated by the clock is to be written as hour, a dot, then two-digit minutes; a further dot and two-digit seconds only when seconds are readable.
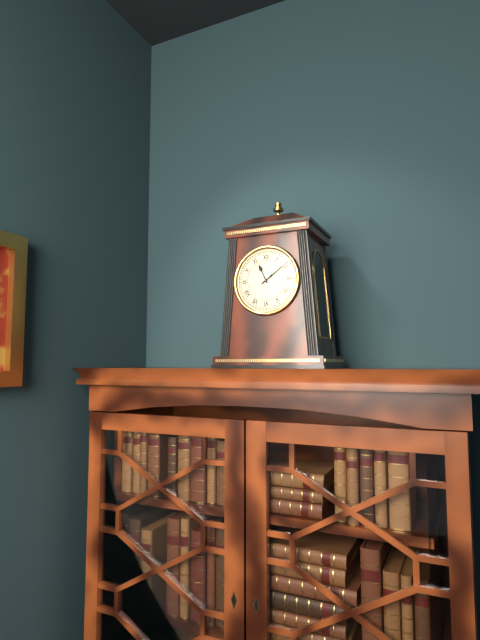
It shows 11.09
